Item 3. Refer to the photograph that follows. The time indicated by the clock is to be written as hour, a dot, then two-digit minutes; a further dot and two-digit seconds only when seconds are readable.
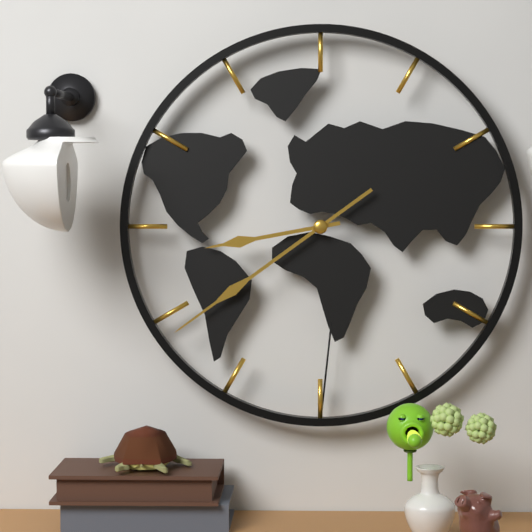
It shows 8.39
